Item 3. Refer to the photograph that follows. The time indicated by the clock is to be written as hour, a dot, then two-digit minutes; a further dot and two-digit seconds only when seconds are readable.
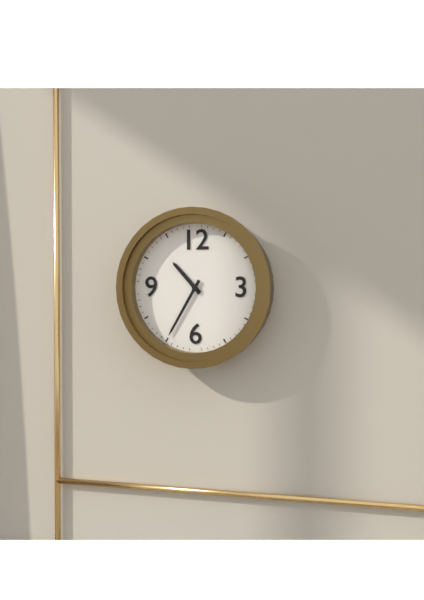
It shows 10.35
